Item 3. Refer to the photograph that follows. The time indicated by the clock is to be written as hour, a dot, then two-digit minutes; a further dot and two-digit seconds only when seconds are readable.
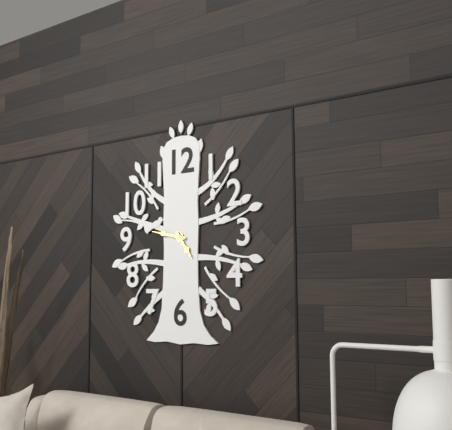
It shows 4.47
